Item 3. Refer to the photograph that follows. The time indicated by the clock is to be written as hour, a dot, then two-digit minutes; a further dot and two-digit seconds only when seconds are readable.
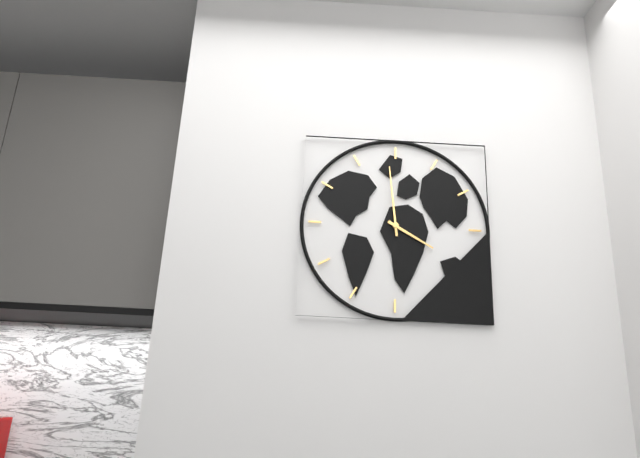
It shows 3.59
